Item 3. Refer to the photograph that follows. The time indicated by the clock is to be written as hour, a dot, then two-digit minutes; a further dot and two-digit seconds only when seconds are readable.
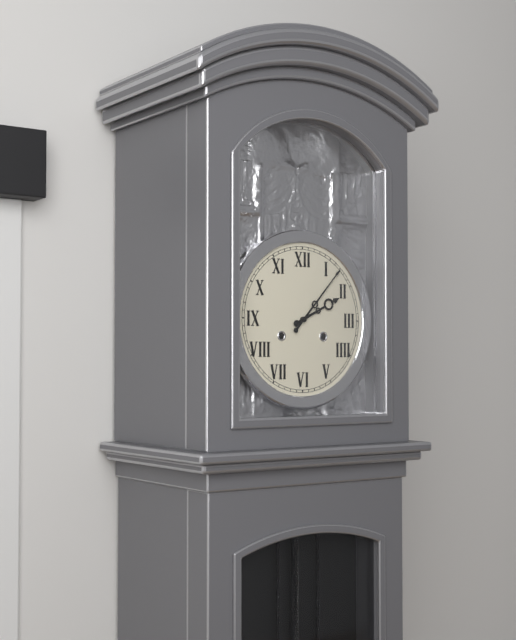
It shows 2.07
